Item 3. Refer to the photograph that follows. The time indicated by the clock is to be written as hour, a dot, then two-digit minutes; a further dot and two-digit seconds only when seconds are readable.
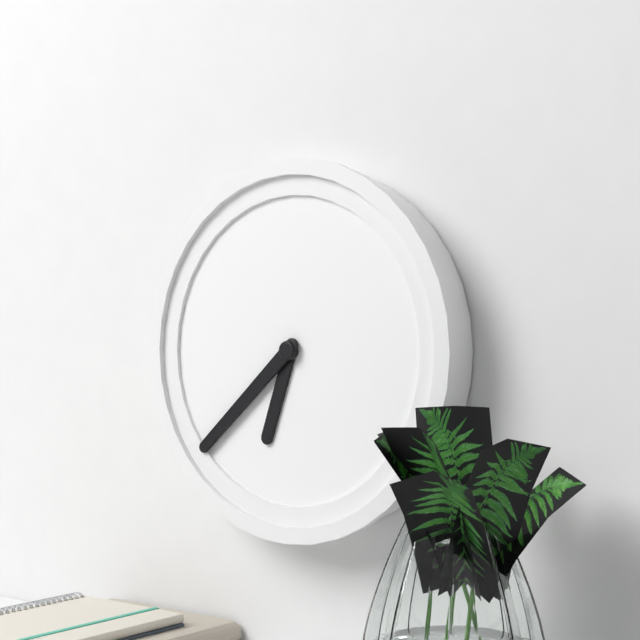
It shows 6.38
